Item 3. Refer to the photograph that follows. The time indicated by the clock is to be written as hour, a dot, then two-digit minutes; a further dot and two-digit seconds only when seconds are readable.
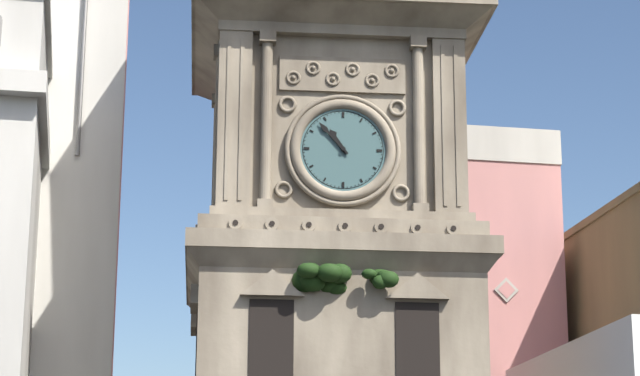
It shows 10.53
